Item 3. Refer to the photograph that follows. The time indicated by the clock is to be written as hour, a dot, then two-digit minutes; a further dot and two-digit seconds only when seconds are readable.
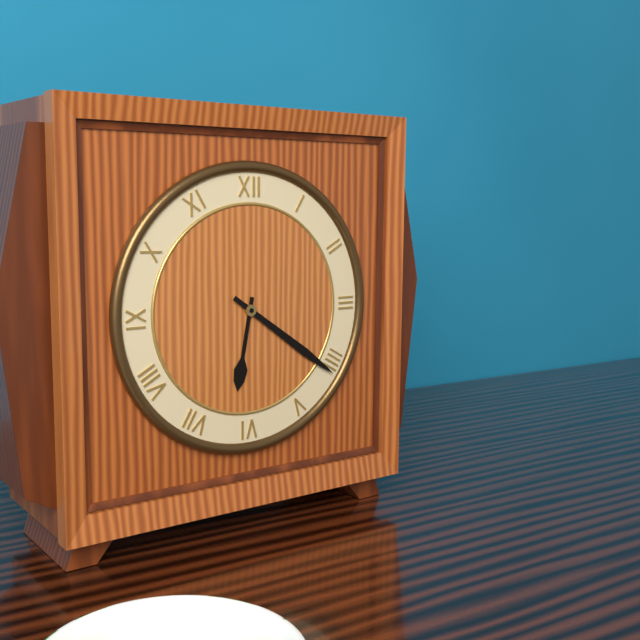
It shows 6.21
